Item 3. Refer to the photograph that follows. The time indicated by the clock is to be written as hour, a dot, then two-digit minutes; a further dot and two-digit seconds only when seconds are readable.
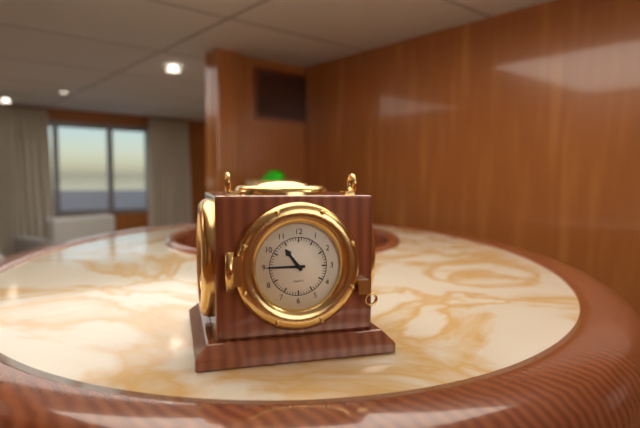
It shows 10.45
